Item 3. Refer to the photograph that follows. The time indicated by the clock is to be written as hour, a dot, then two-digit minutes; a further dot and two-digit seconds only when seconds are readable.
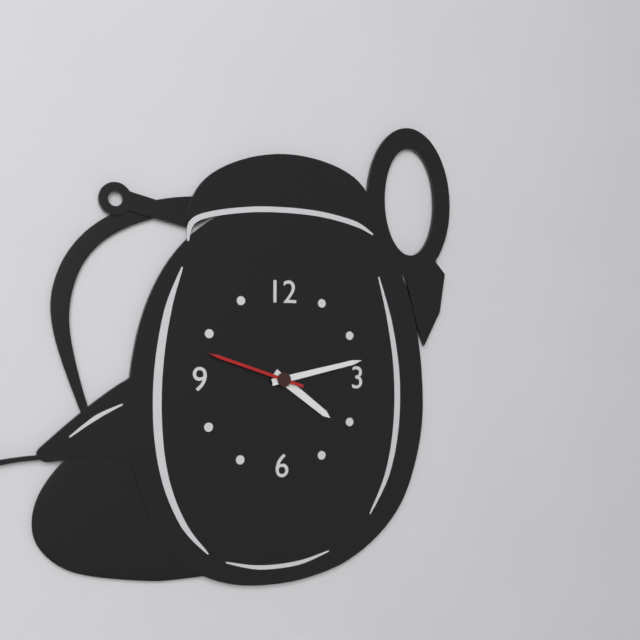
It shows 4.13.48
